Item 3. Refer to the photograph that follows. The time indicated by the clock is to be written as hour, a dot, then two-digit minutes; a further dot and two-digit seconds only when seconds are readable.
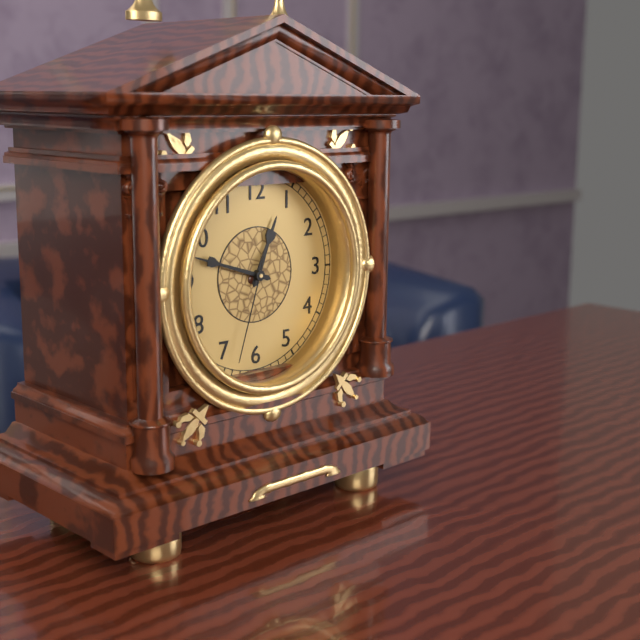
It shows 12.48.33
